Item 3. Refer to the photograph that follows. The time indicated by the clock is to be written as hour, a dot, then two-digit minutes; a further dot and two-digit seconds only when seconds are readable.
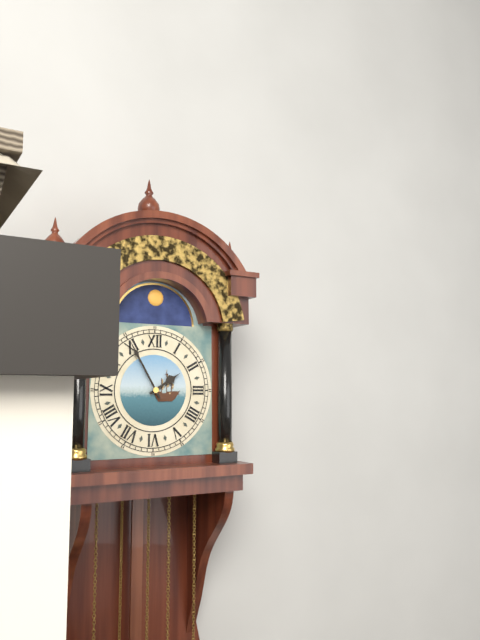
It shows 1.55
